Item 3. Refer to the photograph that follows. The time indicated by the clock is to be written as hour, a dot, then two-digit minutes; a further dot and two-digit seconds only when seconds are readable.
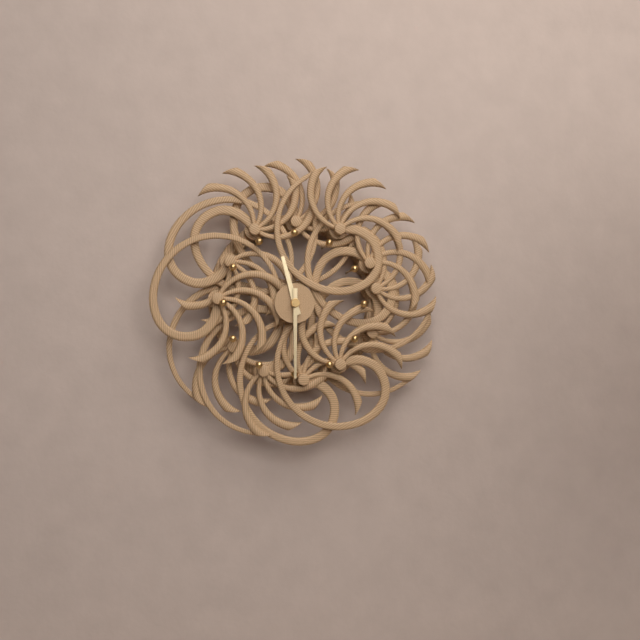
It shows 11.30
